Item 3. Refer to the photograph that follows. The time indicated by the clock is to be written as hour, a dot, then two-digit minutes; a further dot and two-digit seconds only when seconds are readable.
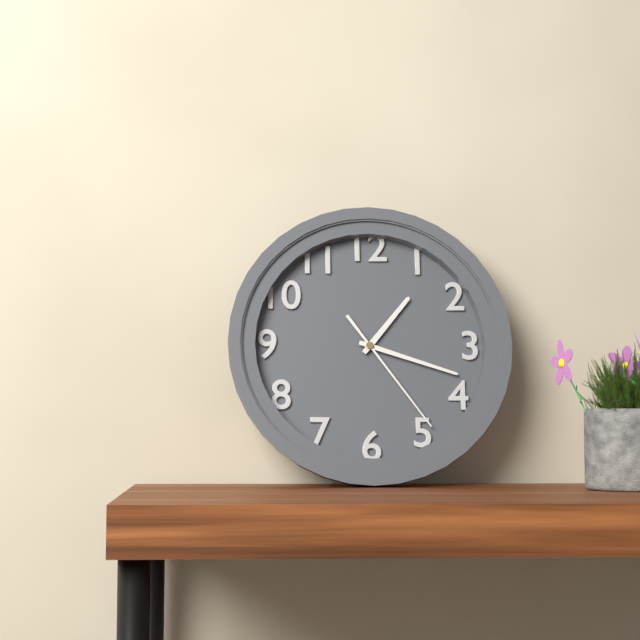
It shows 1.18.24
